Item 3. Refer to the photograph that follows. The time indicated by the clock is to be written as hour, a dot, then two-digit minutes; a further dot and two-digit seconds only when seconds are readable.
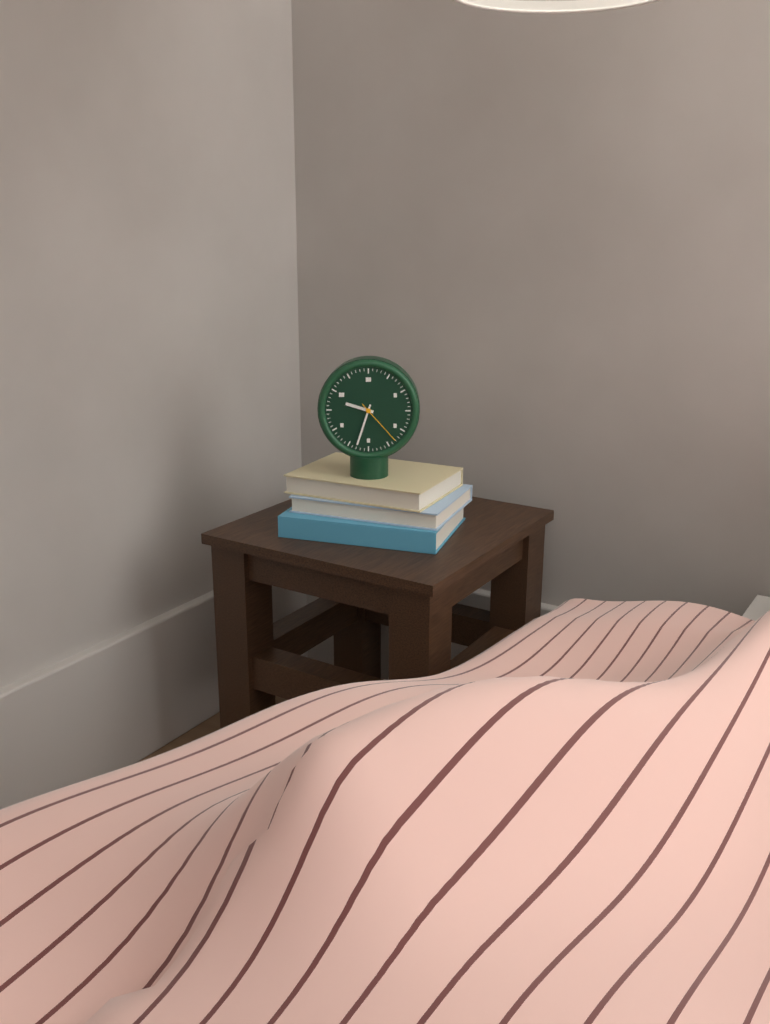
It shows 9.33.23
